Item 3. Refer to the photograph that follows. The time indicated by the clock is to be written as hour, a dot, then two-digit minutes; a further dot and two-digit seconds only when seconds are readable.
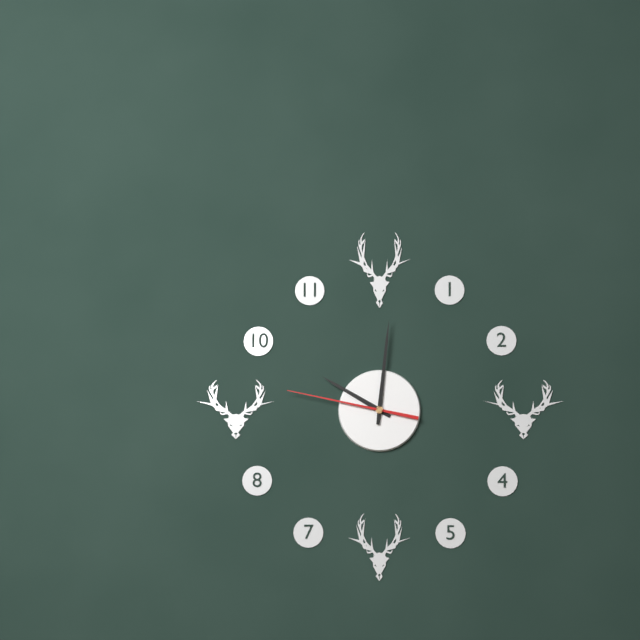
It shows 10.01.47
